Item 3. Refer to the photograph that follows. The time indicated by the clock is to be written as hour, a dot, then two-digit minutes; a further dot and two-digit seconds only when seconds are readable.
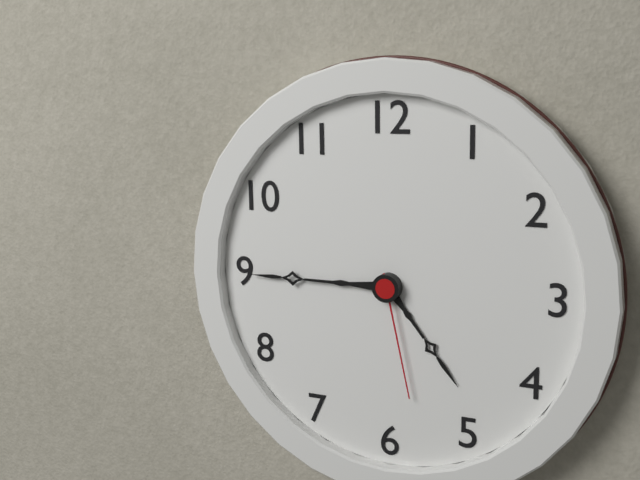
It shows 4.45.28
